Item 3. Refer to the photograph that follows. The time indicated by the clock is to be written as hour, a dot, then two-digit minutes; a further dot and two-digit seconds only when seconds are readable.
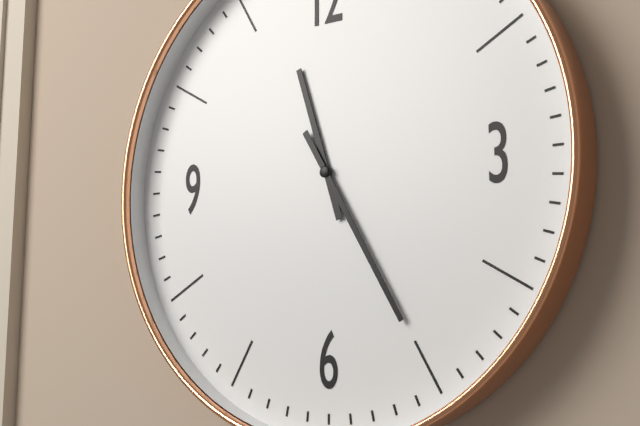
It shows 11.25
